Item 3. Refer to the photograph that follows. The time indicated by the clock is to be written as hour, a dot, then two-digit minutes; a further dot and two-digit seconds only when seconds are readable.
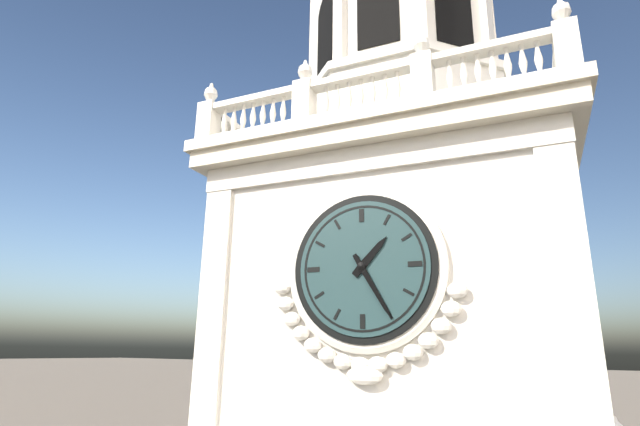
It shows 1.25
